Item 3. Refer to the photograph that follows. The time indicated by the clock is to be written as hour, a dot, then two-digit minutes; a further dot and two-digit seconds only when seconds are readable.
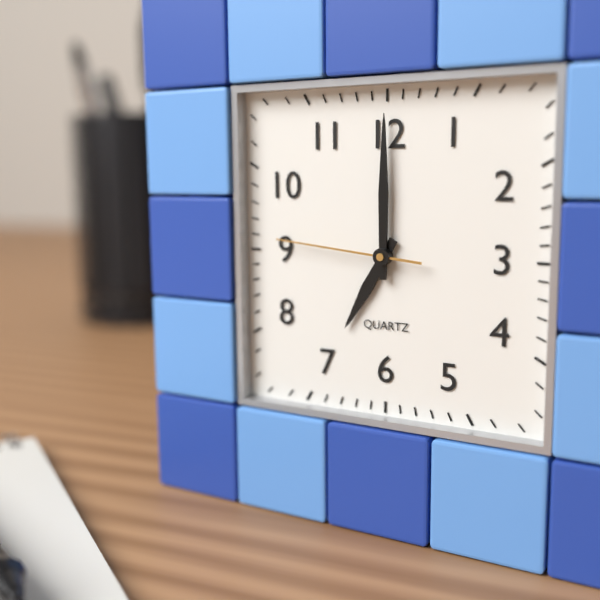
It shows 7.00.46
